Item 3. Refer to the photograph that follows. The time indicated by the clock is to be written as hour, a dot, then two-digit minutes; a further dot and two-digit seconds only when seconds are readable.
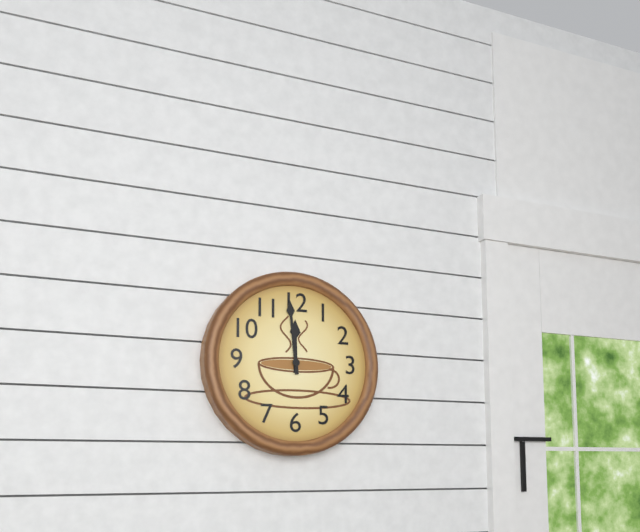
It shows 11.59
